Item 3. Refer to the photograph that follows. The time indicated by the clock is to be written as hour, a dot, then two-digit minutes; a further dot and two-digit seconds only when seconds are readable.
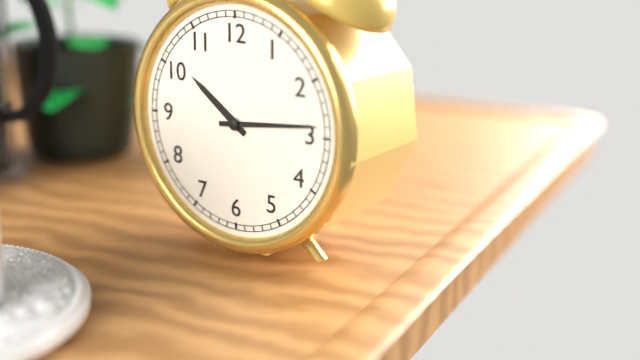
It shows 10.14
